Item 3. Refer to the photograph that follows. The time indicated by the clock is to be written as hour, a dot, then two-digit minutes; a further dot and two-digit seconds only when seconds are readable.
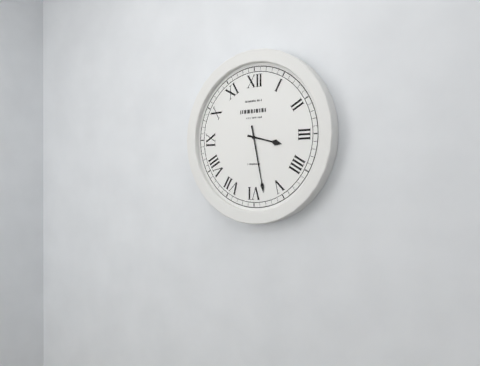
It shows 3.28
